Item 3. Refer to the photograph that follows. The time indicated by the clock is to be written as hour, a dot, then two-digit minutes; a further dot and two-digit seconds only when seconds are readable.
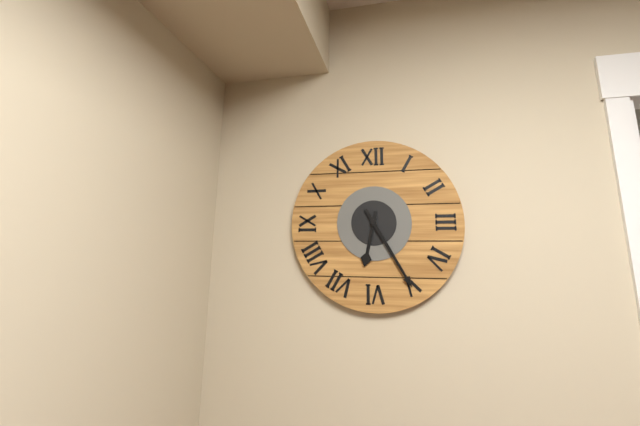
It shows 6.25
